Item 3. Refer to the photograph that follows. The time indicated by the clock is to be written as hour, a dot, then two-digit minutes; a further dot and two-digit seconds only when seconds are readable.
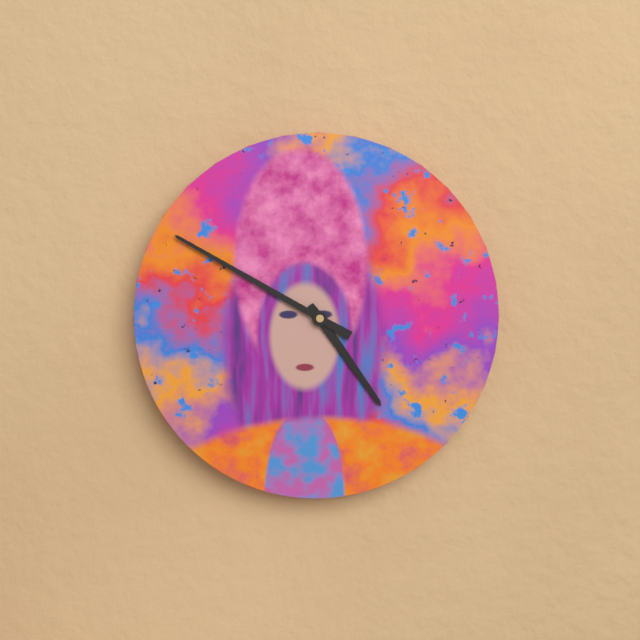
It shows 4.50
